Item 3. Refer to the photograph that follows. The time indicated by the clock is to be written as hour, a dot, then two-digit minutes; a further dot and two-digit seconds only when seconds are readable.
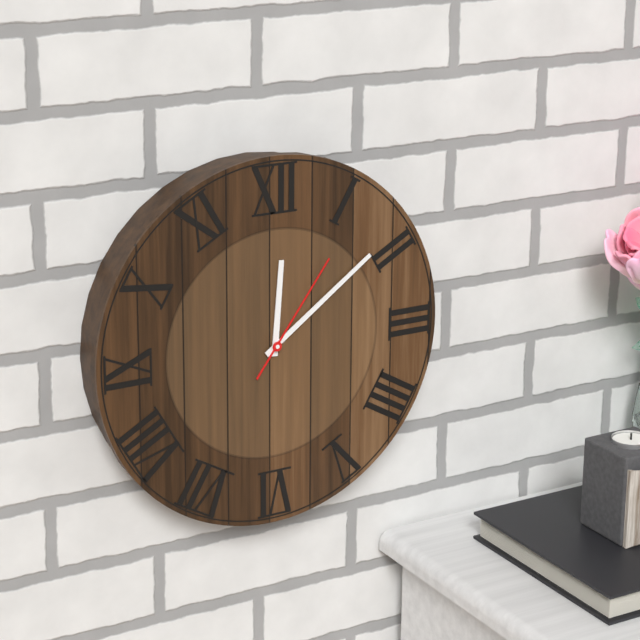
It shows 12.09.06
